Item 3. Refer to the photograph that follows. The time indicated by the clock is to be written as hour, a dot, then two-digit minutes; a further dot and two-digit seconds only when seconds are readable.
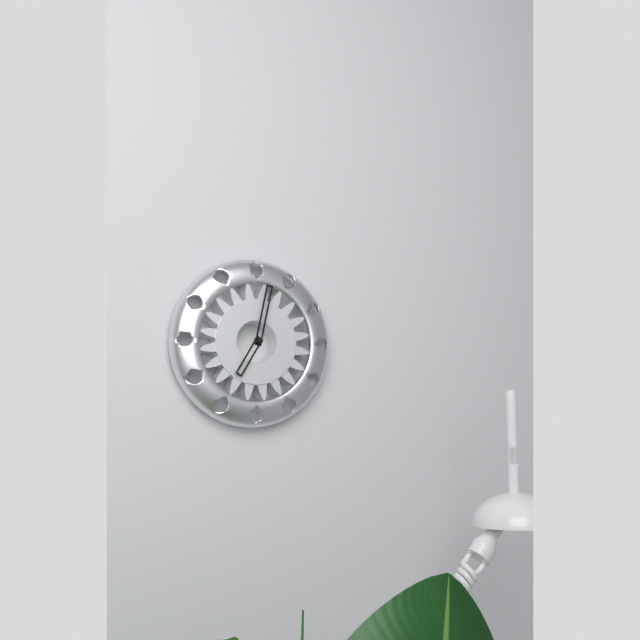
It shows 7.02
